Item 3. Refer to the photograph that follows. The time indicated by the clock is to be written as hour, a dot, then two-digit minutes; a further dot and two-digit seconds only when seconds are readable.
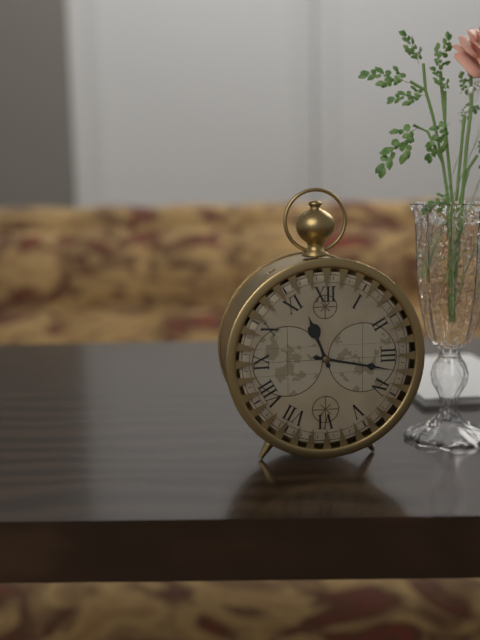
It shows 11.17
